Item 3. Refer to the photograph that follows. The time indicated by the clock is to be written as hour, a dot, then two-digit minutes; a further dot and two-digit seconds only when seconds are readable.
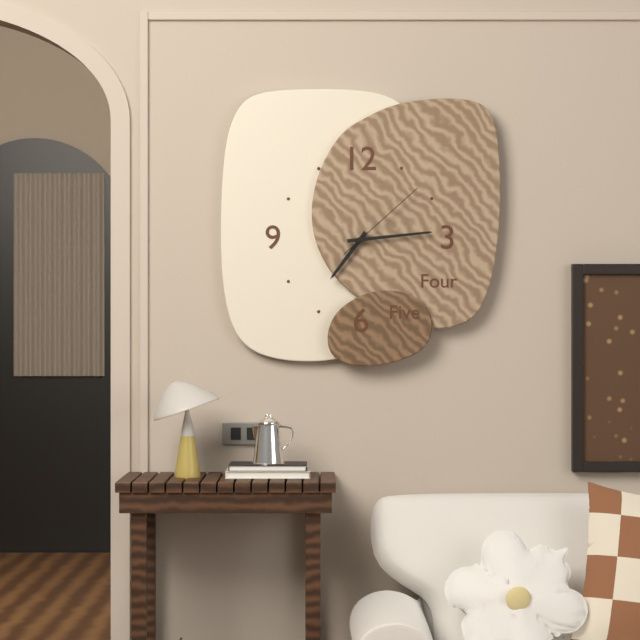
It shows 7.14.08
